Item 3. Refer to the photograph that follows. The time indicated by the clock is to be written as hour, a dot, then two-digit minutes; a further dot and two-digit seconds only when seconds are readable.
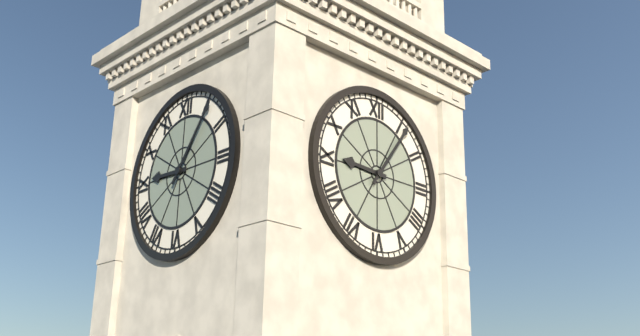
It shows 9.06
